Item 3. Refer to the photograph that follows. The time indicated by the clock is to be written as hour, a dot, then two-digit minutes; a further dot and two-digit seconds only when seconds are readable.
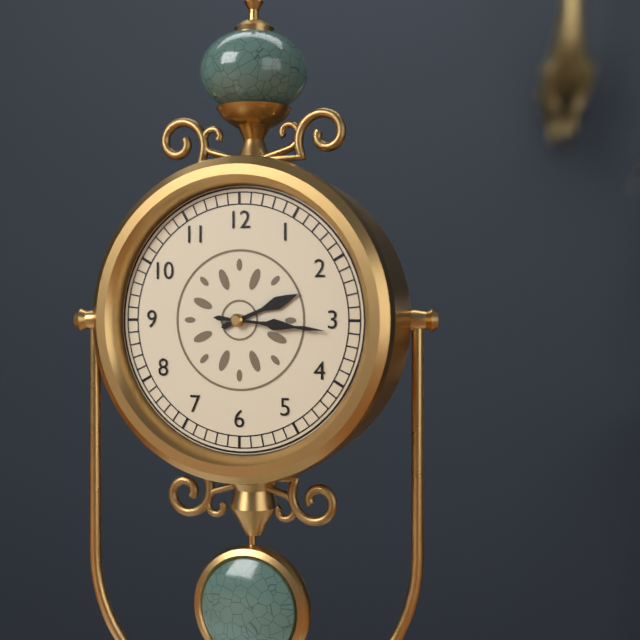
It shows 2.16
